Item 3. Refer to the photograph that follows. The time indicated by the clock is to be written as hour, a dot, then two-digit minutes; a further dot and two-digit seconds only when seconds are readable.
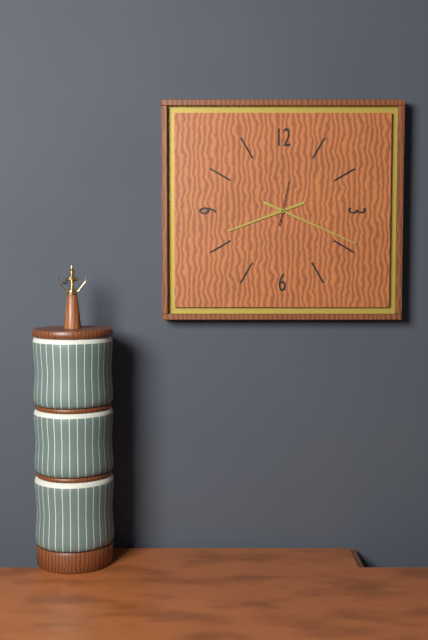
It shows 8.19
